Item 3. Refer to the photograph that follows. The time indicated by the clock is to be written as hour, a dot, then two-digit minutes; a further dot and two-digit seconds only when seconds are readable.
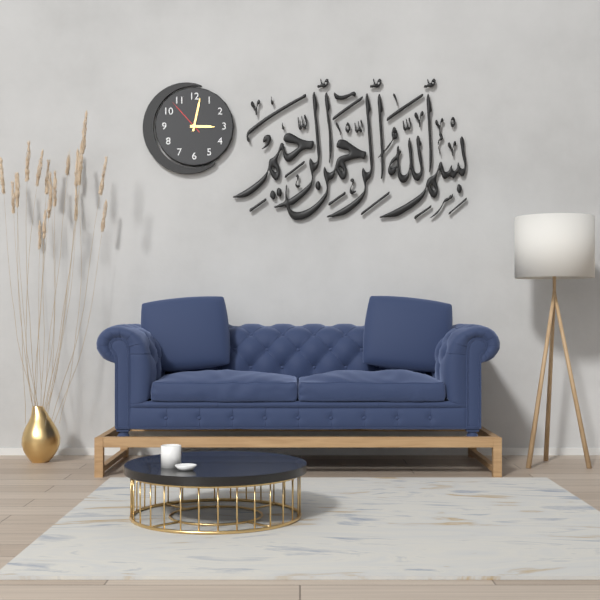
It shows 3.02
